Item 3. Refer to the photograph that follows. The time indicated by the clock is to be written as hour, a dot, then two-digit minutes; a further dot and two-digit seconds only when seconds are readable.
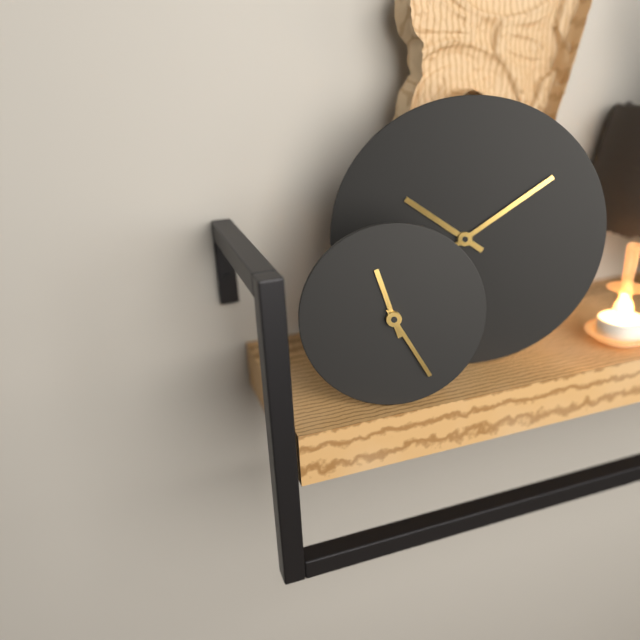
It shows 11.25
